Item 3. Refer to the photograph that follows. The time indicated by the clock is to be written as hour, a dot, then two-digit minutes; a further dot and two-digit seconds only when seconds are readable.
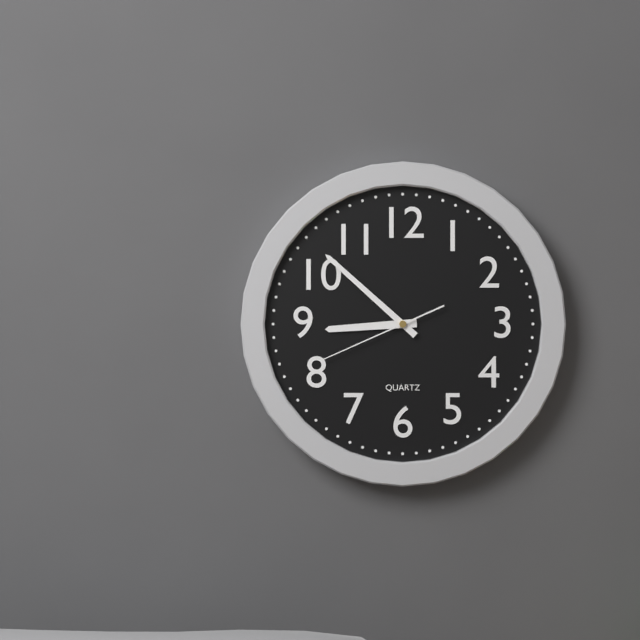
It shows 8.52.41
